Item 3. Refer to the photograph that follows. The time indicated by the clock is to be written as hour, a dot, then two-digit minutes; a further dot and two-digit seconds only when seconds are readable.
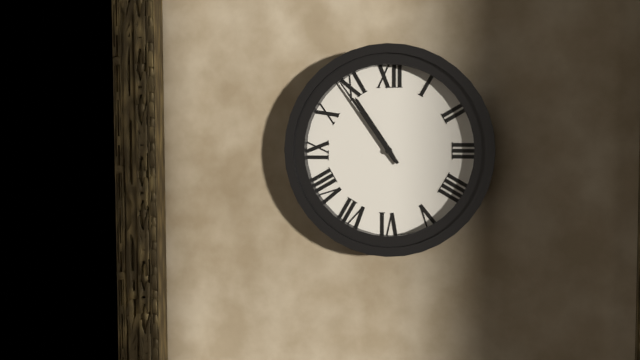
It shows 10.54
